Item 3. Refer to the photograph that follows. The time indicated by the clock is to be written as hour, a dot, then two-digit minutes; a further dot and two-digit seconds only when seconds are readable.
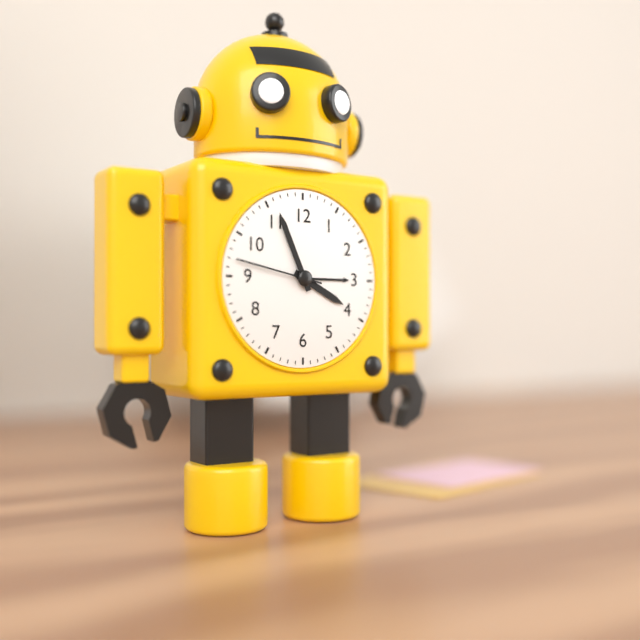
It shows 3.56.47
